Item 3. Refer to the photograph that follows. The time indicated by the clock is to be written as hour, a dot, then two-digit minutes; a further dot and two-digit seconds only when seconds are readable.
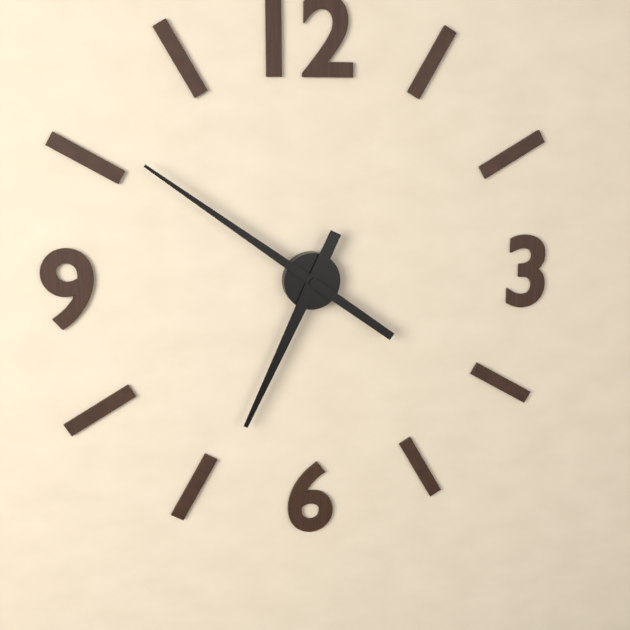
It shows 6.51
